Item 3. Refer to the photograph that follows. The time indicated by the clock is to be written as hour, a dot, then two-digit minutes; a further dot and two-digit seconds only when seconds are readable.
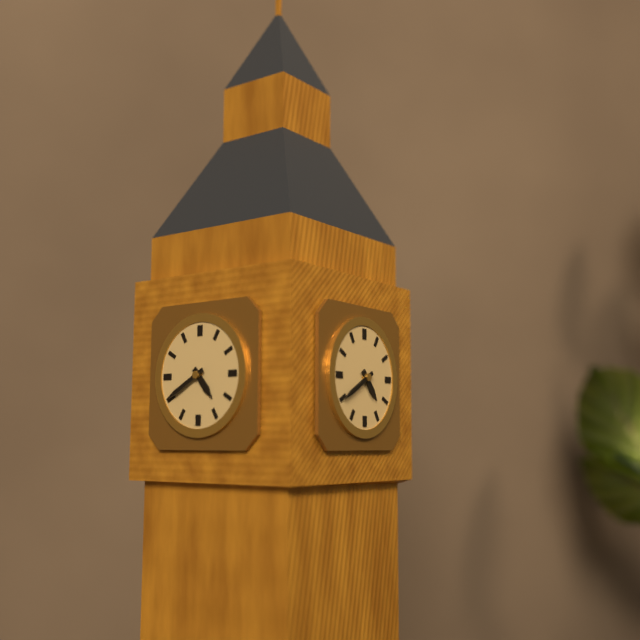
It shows 4.40
